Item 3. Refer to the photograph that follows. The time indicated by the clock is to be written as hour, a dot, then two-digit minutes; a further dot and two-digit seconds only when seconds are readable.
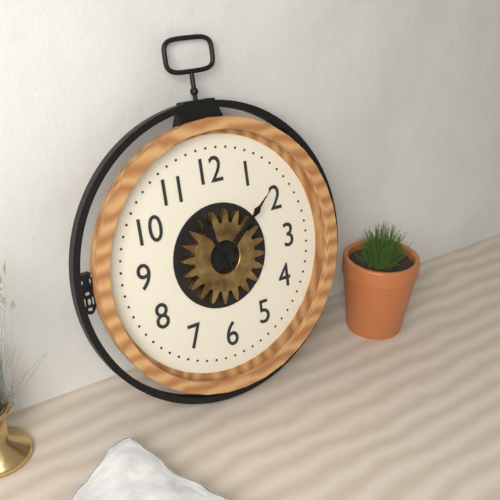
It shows 11.08
